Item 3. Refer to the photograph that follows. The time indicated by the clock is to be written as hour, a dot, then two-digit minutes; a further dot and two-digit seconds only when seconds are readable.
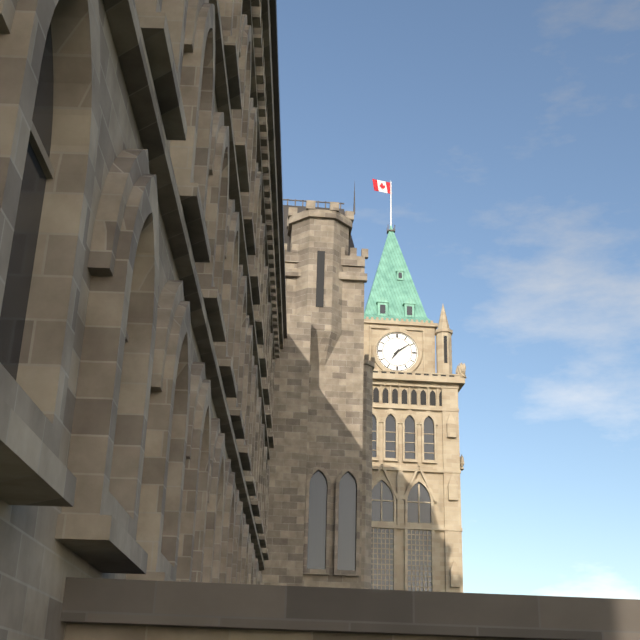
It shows 7.09
